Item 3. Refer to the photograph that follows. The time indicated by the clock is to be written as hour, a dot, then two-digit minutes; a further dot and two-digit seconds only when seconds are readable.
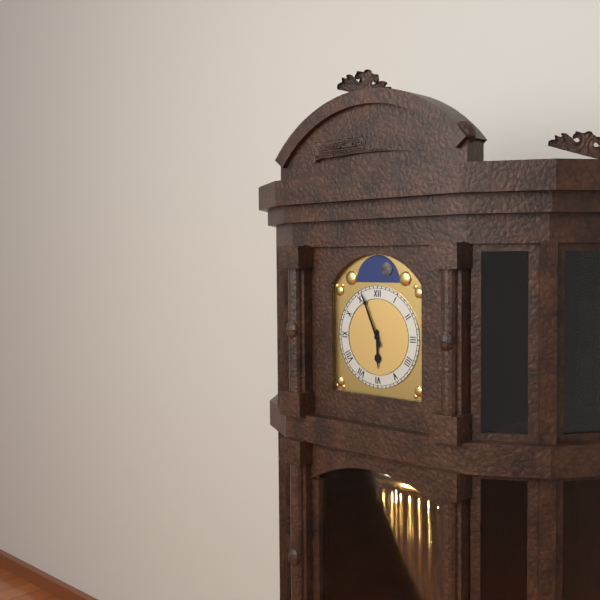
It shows 5.56
